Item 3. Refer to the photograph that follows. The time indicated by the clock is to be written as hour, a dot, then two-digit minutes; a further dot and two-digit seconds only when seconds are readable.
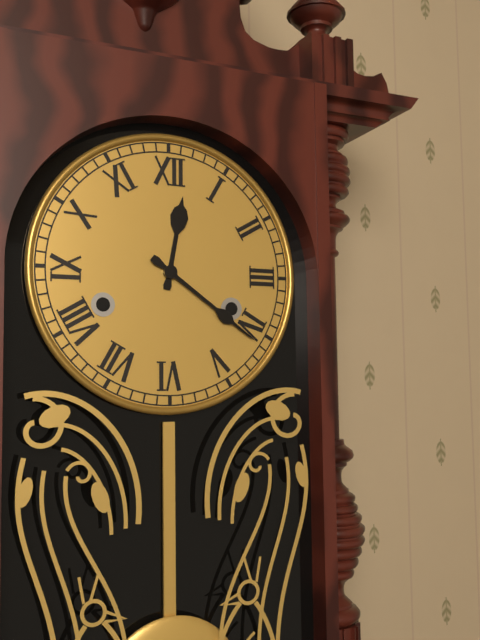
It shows 12.21
